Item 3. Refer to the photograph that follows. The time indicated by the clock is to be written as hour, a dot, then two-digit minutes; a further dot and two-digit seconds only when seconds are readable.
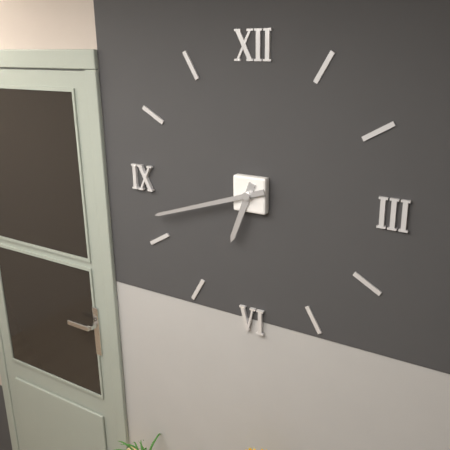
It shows 6.42
